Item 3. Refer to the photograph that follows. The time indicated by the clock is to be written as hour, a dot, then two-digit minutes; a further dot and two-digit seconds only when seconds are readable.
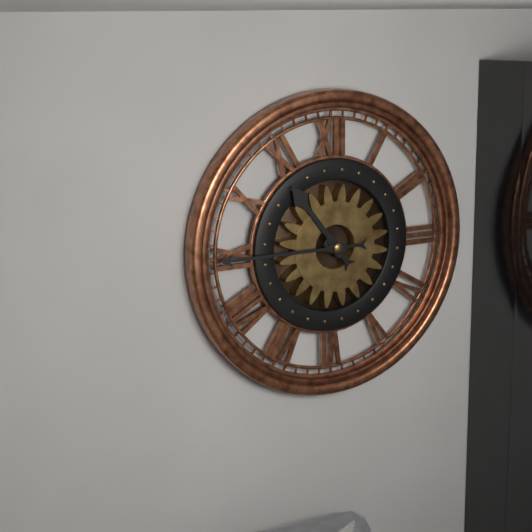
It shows 10.45
